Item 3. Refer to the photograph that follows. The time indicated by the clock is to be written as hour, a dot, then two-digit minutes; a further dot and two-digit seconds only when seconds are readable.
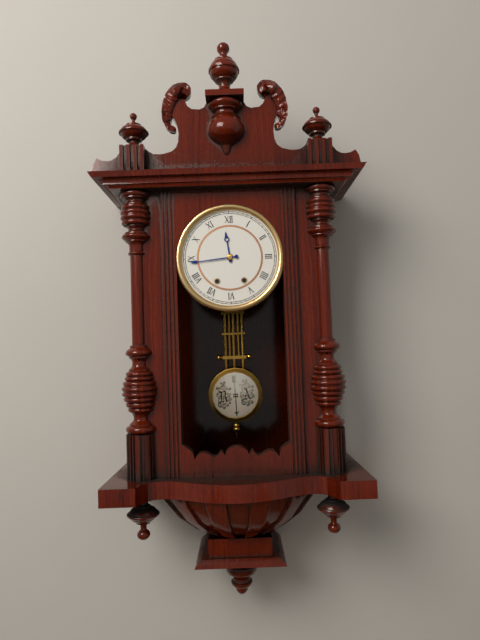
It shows 11.44
